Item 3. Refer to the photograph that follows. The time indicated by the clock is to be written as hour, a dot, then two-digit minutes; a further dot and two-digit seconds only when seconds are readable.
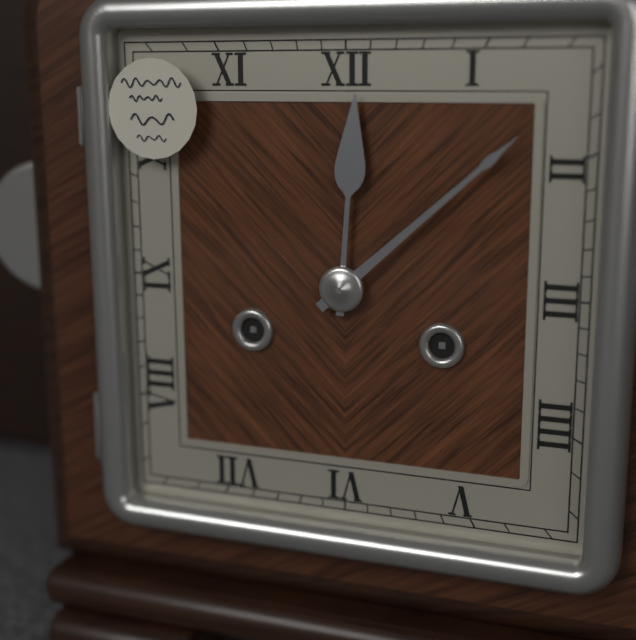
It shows 12.08
